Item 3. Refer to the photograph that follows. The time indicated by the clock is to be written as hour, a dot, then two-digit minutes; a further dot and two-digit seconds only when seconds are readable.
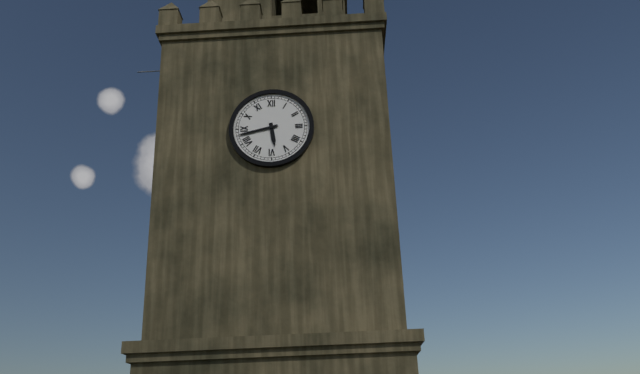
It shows 5.43
